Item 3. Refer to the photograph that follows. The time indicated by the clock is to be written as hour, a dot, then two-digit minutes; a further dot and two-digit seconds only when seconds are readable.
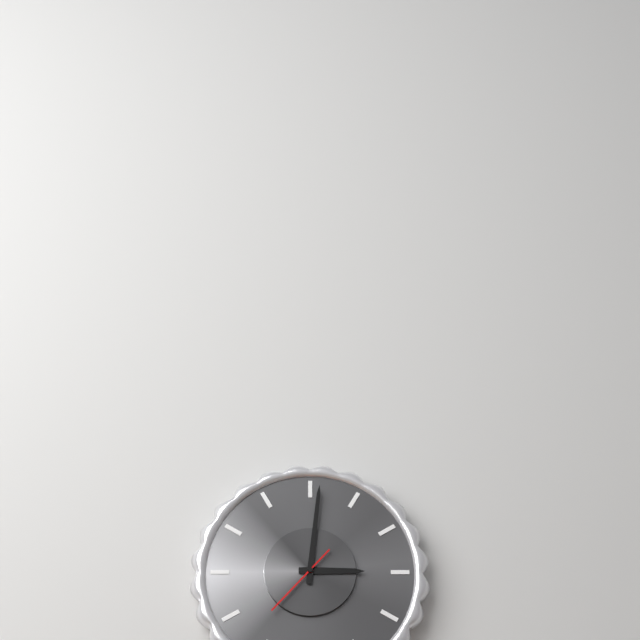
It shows 3.01.37
